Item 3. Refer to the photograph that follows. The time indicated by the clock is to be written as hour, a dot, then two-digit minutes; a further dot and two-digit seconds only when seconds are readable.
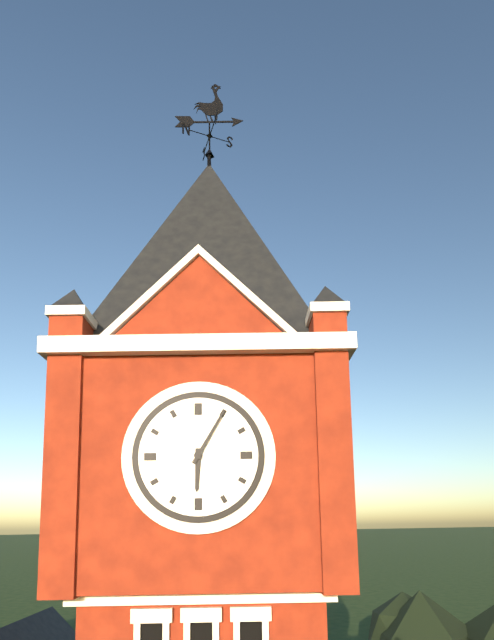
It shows 6.05
